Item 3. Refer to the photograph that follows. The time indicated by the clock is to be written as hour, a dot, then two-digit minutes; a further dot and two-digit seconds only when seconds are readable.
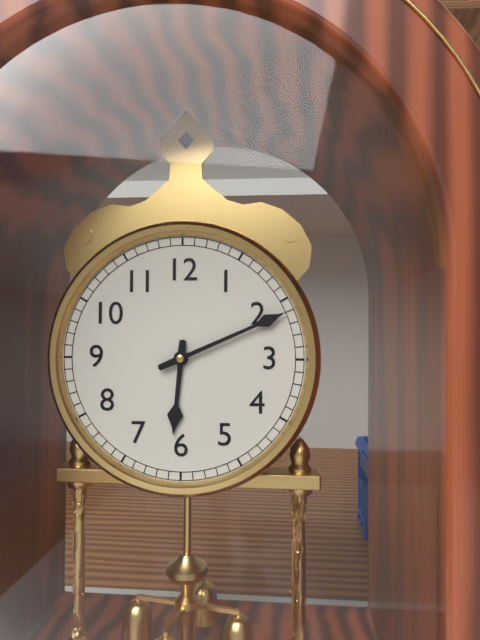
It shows 6.11
